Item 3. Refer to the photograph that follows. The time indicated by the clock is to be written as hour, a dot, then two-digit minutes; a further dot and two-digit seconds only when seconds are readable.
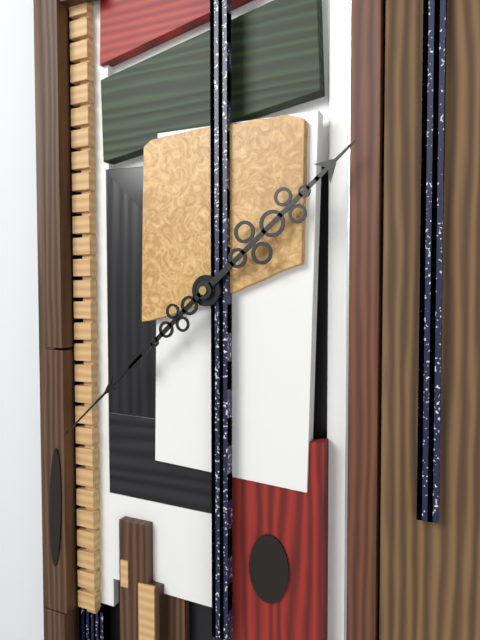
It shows 1.38
